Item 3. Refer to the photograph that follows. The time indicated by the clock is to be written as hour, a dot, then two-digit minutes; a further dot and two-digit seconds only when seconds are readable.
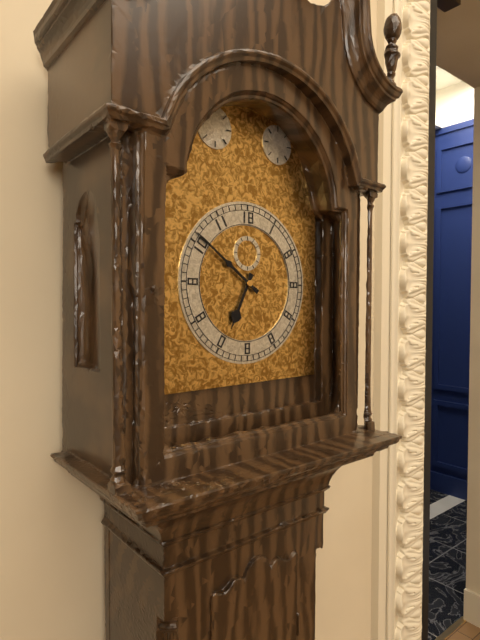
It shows 6.51
